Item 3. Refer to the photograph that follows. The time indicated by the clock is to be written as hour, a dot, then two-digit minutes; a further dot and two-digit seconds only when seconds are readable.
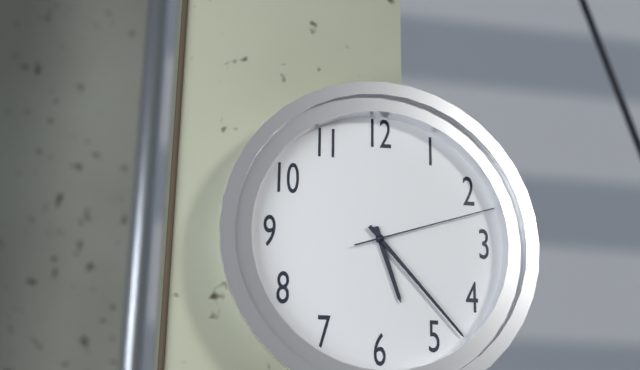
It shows 5.23.12
